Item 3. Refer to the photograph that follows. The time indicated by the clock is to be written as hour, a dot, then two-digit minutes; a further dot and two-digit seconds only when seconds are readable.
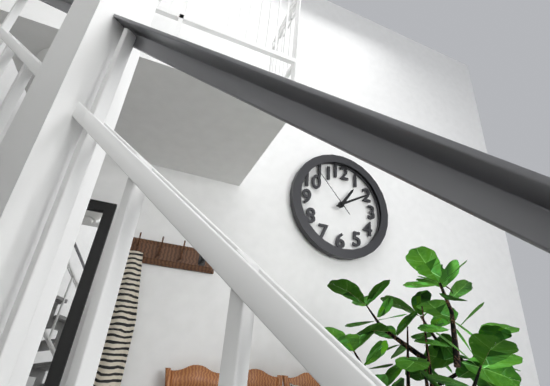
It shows 1.10.53
